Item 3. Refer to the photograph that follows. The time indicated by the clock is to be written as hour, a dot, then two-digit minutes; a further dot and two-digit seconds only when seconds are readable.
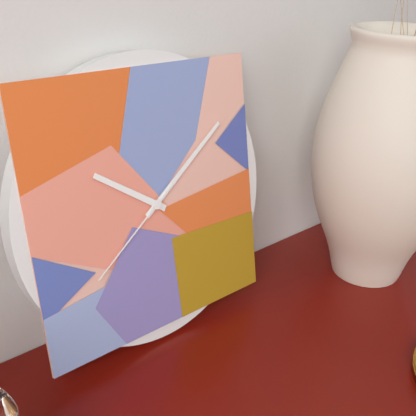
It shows 10.09.39
